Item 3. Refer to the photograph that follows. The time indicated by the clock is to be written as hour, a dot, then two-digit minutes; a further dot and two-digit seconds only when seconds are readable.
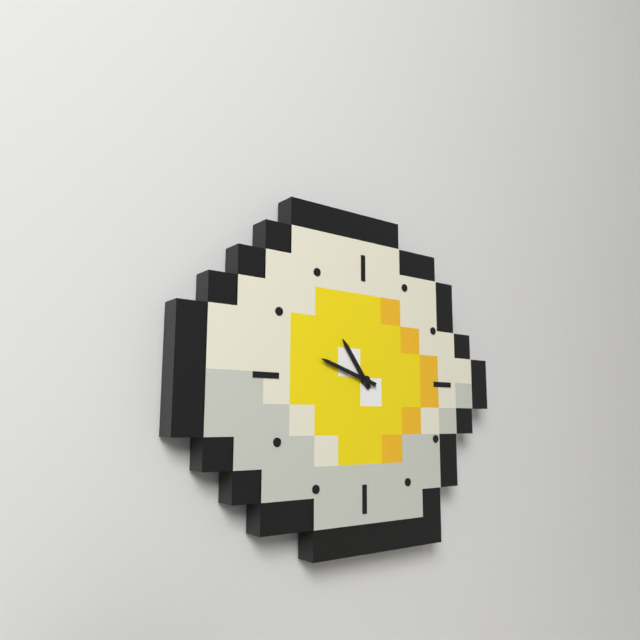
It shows 10.48
